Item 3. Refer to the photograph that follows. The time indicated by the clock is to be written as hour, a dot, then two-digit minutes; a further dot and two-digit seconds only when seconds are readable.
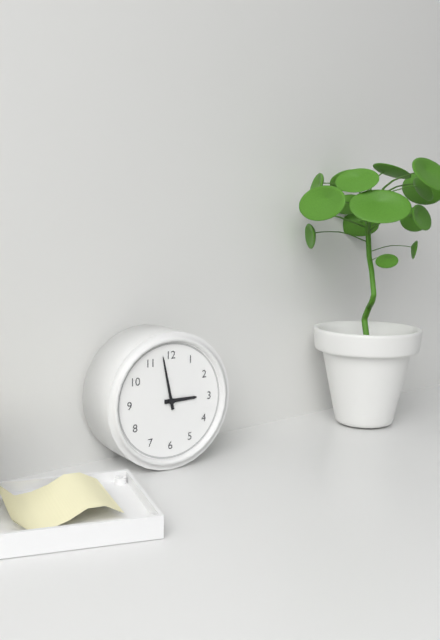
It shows 2.58
